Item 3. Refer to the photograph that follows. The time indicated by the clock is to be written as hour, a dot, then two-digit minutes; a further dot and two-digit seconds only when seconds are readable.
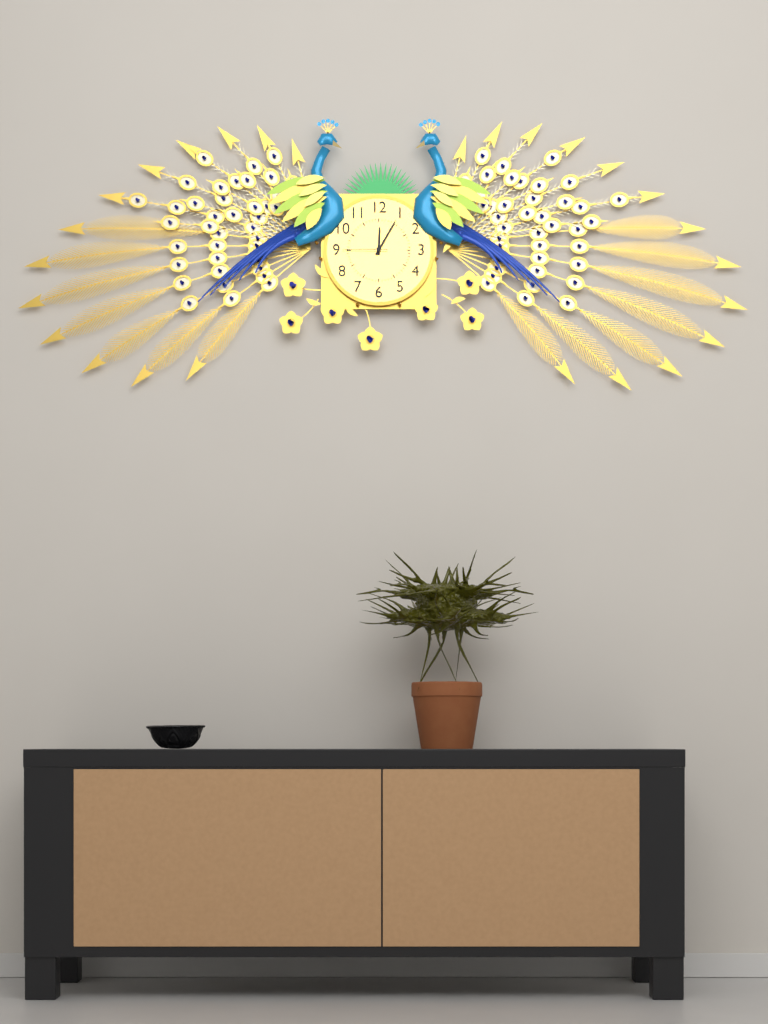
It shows 12.05
